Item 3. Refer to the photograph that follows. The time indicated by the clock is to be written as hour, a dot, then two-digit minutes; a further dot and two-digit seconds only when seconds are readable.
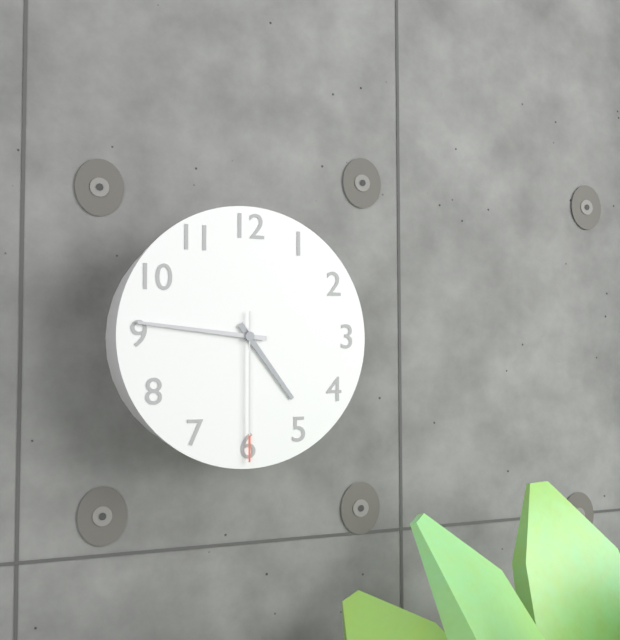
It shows 4.46.30
